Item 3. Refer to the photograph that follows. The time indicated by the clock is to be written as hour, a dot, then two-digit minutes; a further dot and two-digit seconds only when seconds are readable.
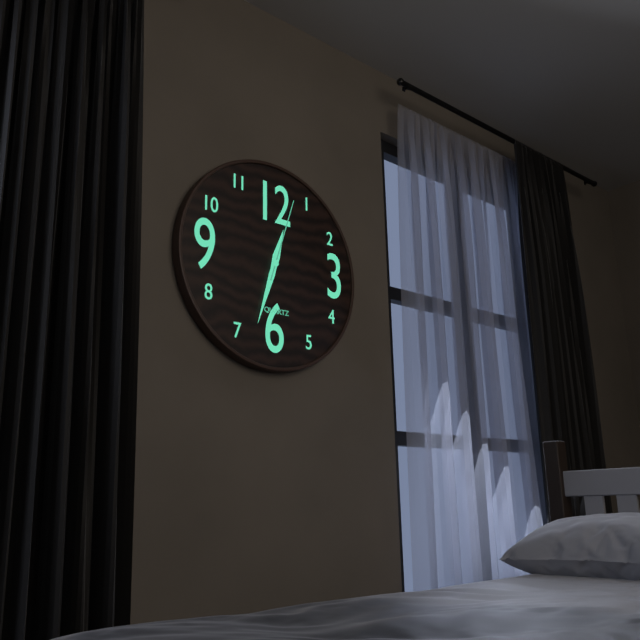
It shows 12.33.03
